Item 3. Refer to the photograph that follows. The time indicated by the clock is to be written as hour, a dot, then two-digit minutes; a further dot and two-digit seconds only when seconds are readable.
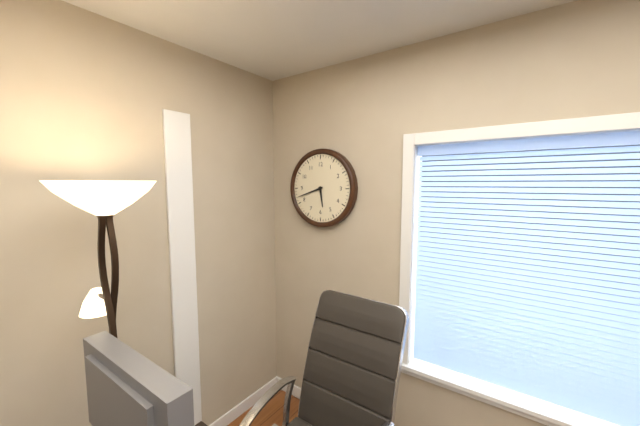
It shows 5.42
